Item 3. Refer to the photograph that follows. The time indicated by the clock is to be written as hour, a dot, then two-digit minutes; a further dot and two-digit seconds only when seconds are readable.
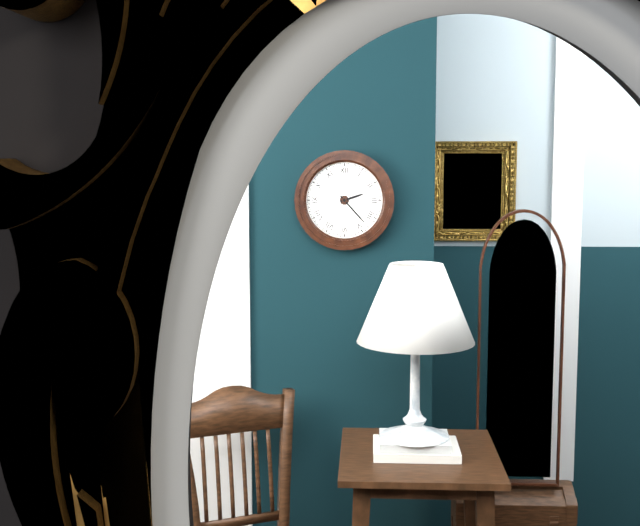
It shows 2.23
